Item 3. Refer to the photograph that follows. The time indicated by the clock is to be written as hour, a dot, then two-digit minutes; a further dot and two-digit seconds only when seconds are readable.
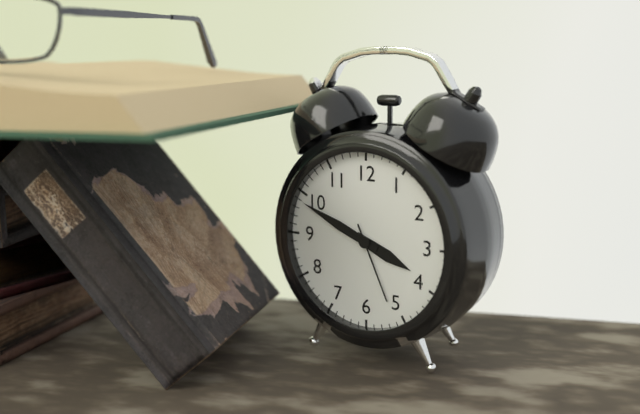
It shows 3.49.26
